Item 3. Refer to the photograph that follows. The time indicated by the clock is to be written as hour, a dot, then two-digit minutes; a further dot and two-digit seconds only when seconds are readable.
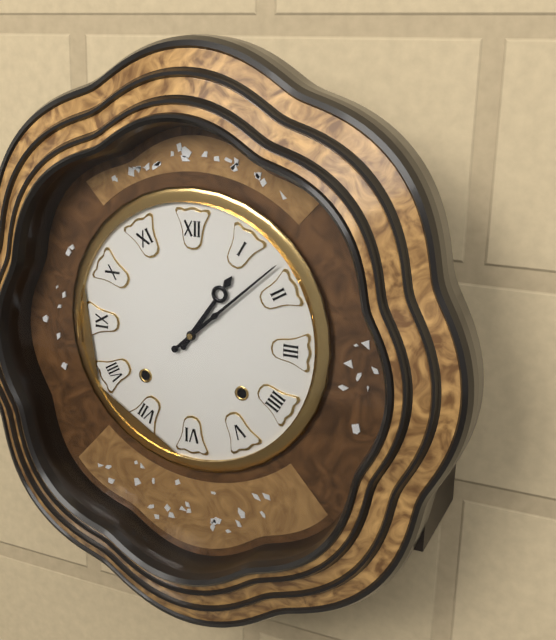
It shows 1.08
